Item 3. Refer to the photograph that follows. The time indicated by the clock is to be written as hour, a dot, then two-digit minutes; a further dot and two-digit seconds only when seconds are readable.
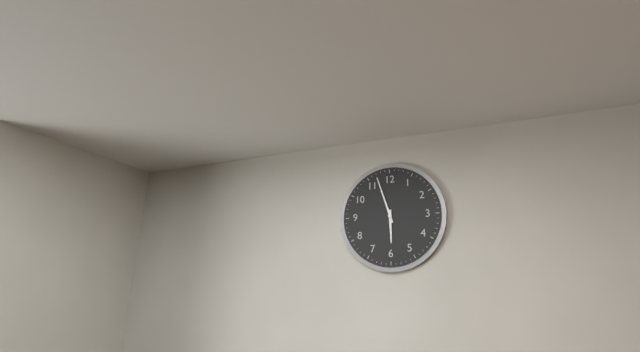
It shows 5.57
